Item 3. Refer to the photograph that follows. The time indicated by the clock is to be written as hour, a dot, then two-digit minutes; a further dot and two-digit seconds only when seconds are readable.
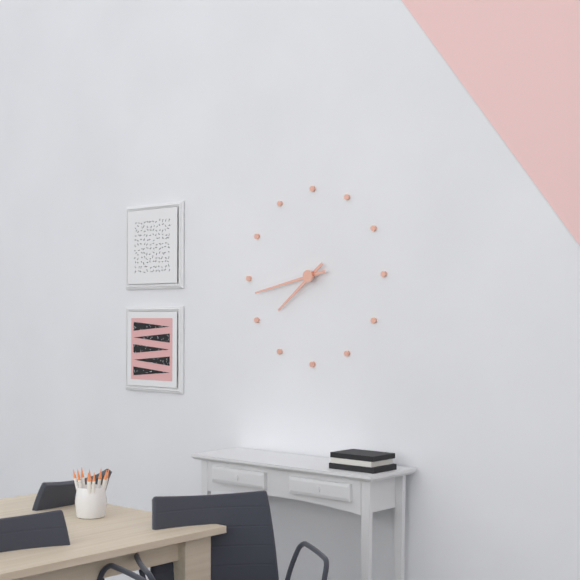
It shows 7.43
